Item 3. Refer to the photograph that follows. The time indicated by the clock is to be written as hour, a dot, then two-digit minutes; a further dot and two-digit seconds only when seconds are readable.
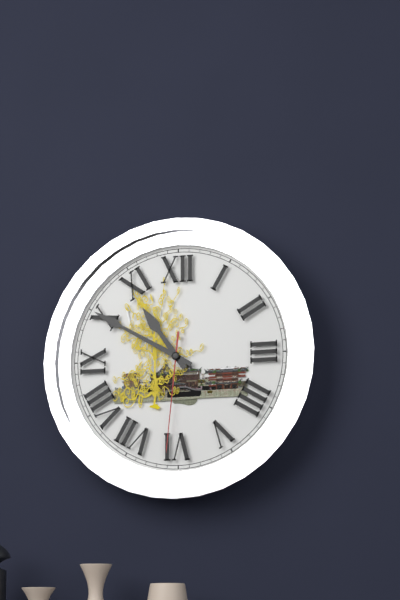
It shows 10.50.31
